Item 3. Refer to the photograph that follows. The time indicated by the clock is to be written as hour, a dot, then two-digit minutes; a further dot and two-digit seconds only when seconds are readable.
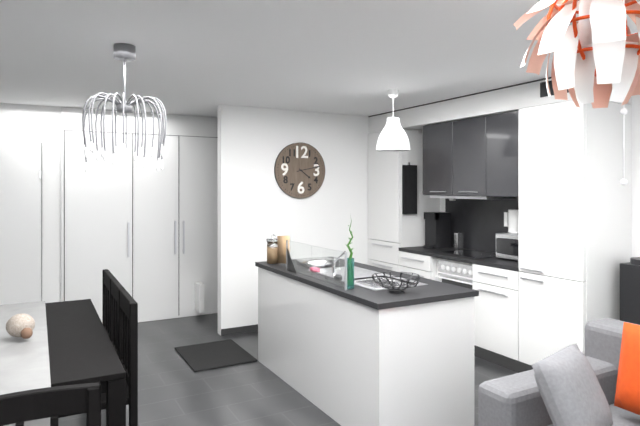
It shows 4.13
